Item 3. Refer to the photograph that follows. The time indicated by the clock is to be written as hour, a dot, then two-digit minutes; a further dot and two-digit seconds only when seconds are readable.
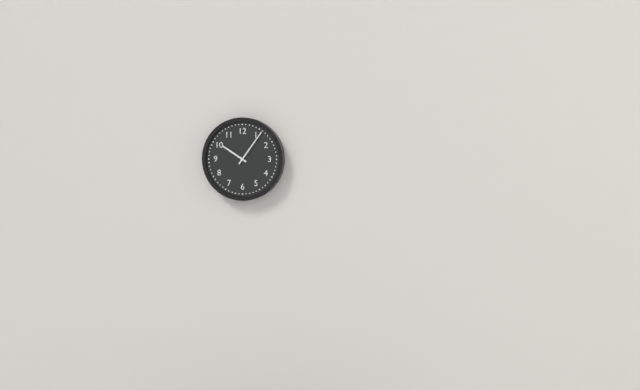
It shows 10.06
